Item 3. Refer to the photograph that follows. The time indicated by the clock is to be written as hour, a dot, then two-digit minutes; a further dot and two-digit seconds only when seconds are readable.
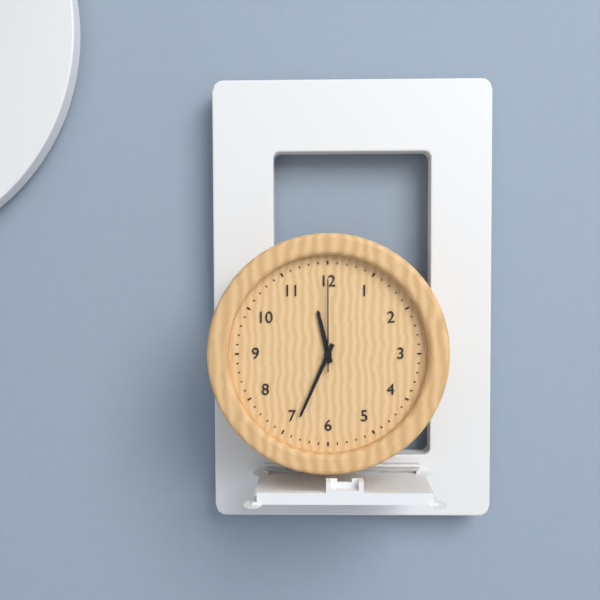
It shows 11.34.00
